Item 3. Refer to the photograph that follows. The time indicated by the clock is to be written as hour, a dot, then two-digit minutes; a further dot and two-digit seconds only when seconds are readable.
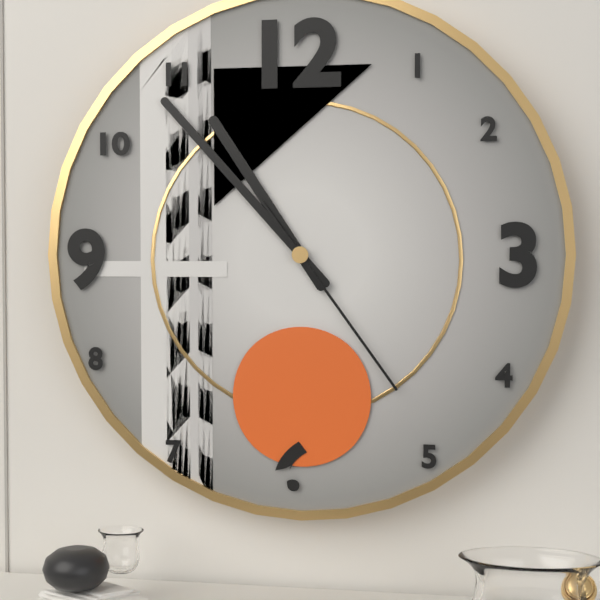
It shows 10.53.24
